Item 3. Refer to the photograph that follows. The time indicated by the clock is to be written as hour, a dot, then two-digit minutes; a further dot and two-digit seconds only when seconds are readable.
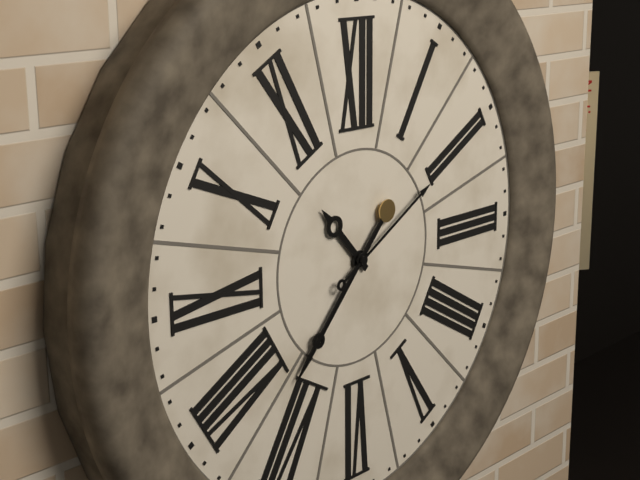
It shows 10.37.10
